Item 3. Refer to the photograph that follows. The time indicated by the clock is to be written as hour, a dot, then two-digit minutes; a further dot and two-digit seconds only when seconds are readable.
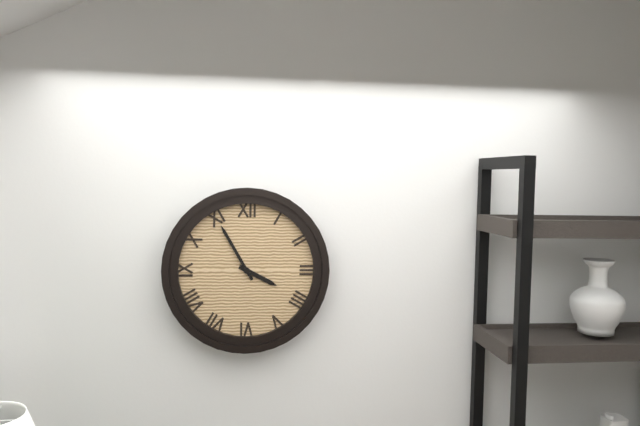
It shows 3.55
